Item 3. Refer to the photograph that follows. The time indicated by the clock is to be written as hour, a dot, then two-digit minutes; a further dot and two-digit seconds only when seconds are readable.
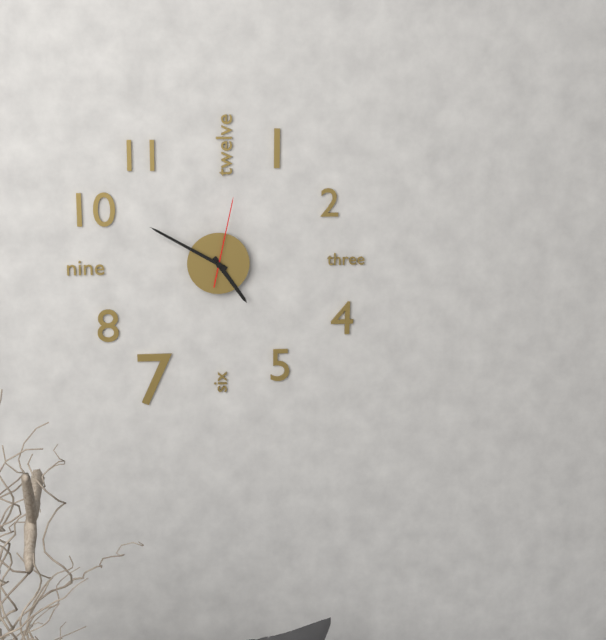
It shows 4.50.02
